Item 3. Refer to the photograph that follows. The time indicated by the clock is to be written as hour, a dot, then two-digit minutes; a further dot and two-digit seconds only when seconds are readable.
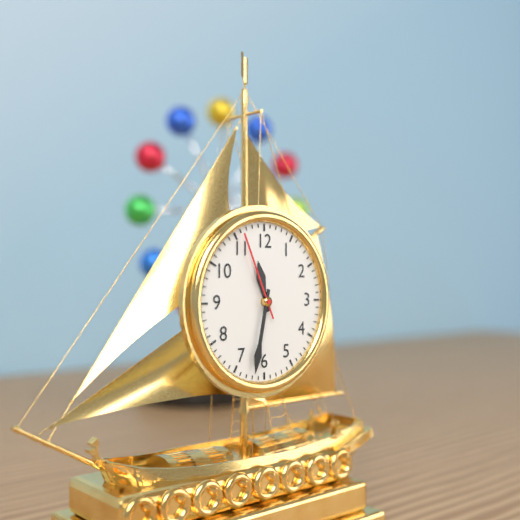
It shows 11.32.56
